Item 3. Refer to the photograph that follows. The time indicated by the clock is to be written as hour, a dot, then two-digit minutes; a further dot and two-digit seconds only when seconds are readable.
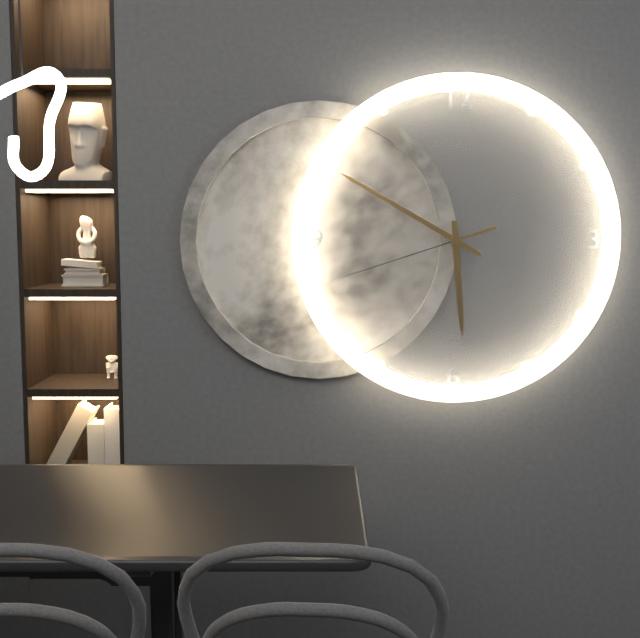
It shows 5.50.42
